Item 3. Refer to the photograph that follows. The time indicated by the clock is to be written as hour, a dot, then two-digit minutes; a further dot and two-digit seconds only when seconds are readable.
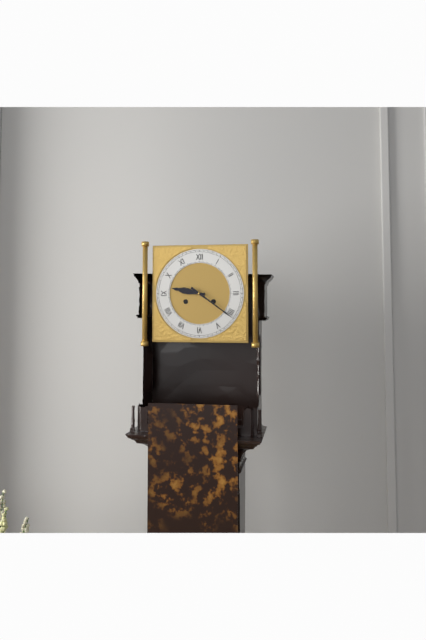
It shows 9.21
